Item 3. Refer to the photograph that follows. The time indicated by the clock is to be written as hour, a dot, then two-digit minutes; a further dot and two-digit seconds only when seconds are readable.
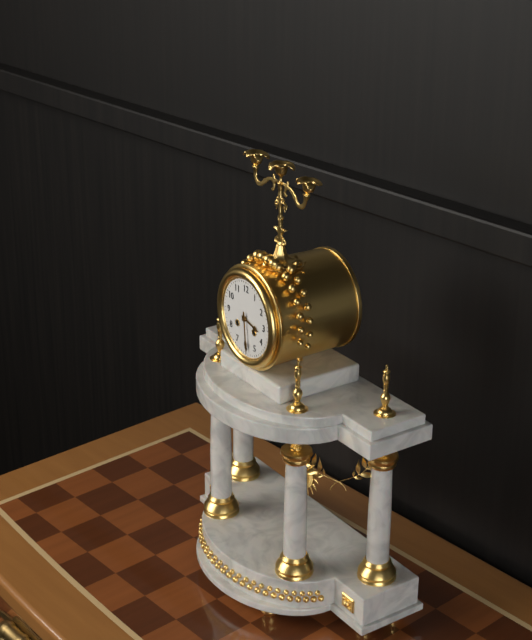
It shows 3.29
